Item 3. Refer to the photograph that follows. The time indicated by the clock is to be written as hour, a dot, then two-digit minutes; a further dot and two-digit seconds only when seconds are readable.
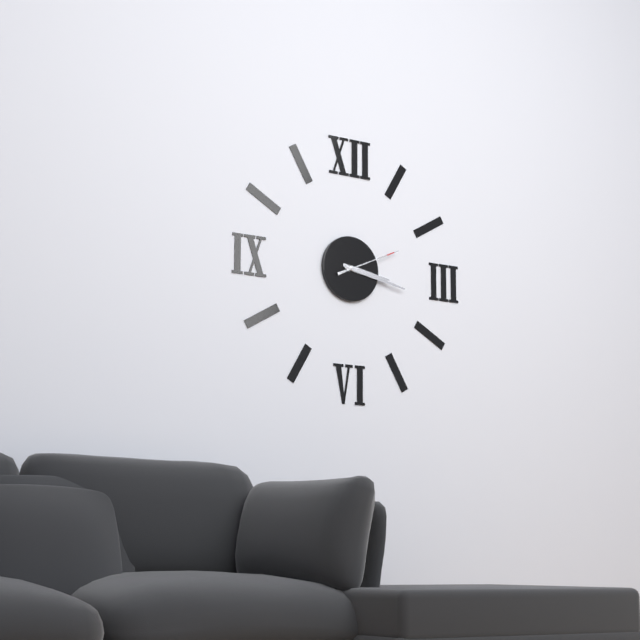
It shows 3.17.11
